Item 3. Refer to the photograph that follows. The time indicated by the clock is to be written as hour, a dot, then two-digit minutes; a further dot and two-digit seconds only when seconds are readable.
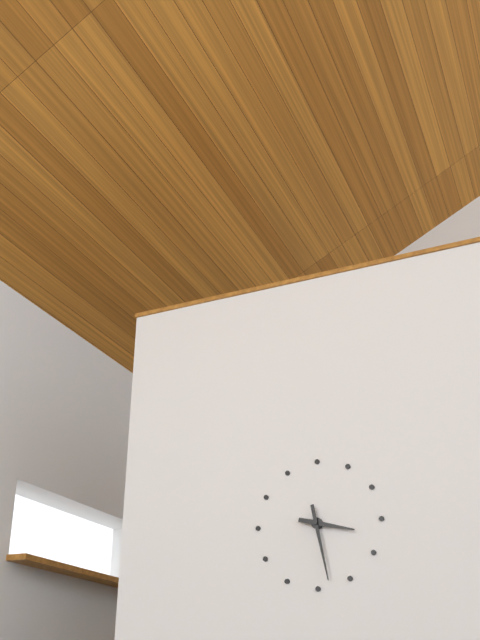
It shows 3.28
